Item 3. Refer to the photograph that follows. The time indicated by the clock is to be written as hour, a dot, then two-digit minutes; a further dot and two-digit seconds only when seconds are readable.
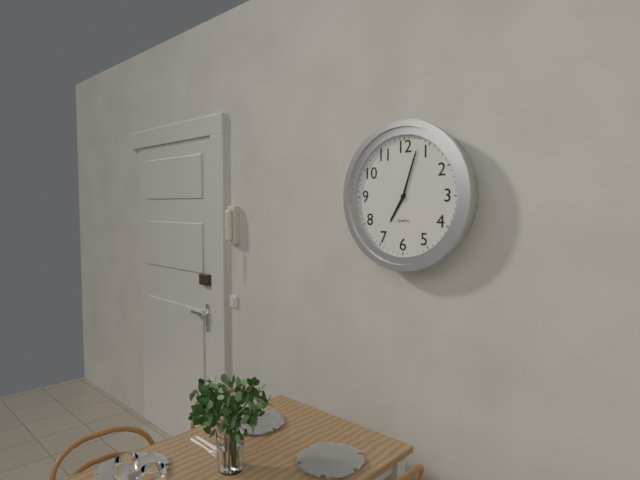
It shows 7.03
